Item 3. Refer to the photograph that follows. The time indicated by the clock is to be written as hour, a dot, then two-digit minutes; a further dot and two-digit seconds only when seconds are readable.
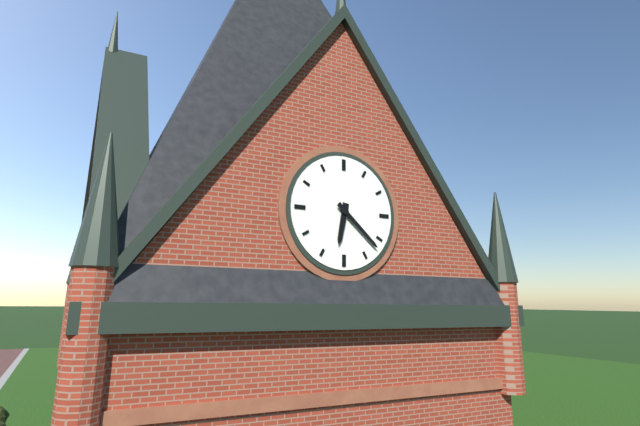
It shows 6.22
